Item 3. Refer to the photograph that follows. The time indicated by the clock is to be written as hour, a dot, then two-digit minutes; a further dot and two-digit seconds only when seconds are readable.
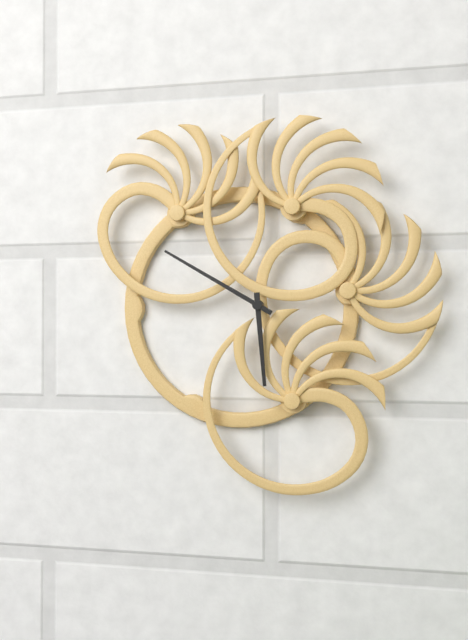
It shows 5.50
